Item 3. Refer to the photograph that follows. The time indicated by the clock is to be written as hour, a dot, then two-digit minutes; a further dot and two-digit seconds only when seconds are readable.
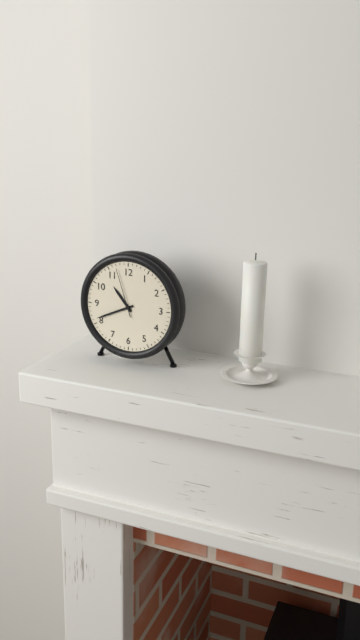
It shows 10.41.57
